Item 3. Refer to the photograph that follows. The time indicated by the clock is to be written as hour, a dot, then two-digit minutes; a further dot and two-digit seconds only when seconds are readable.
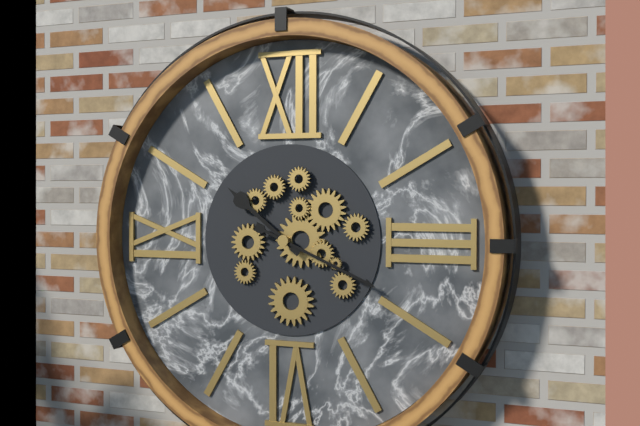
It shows 10.19
